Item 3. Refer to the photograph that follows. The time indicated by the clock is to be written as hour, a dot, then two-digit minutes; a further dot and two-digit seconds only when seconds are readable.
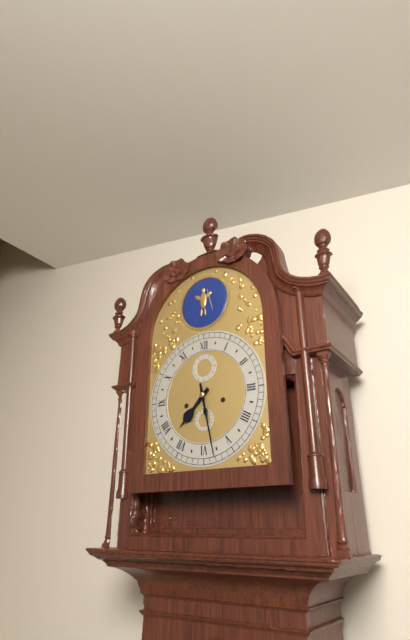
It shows 7.28
